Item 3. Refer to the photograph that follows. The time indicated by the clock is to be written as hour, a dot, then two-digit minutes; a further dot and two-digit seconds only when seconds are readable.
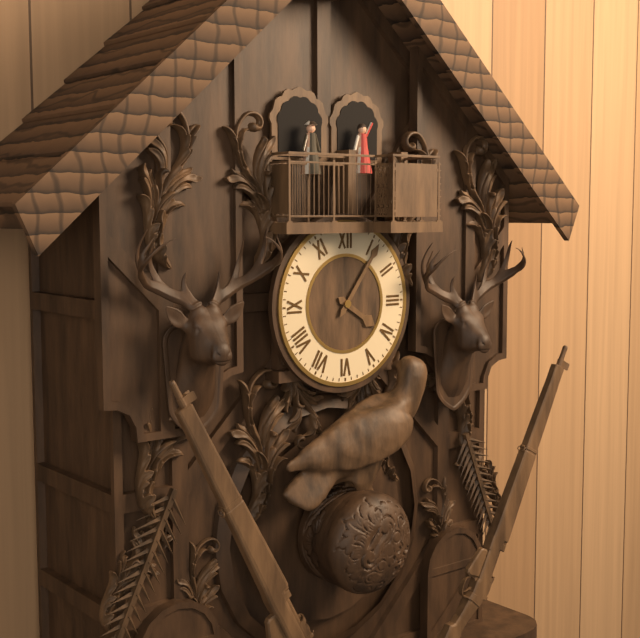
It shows 4.06
